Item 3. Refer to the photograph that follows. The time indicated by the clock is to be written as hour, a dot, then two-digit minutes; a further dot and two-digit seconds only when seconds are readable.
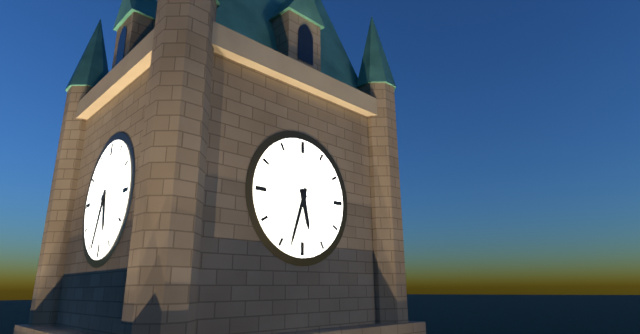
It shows 5.33
